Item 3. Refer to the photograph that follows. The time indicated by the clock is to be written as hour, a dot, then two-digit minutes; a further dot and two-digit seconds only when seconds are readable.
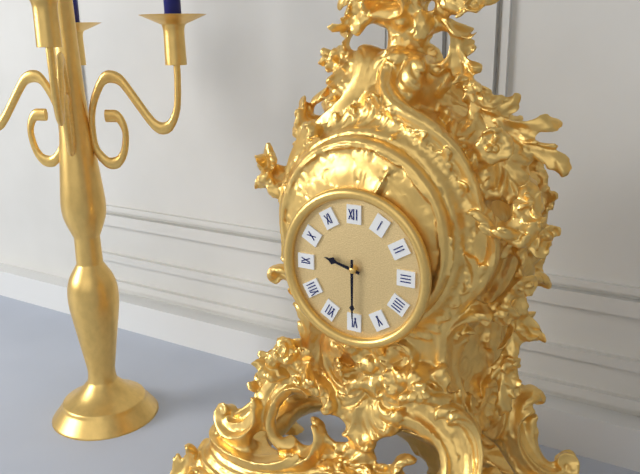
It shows 9.30
